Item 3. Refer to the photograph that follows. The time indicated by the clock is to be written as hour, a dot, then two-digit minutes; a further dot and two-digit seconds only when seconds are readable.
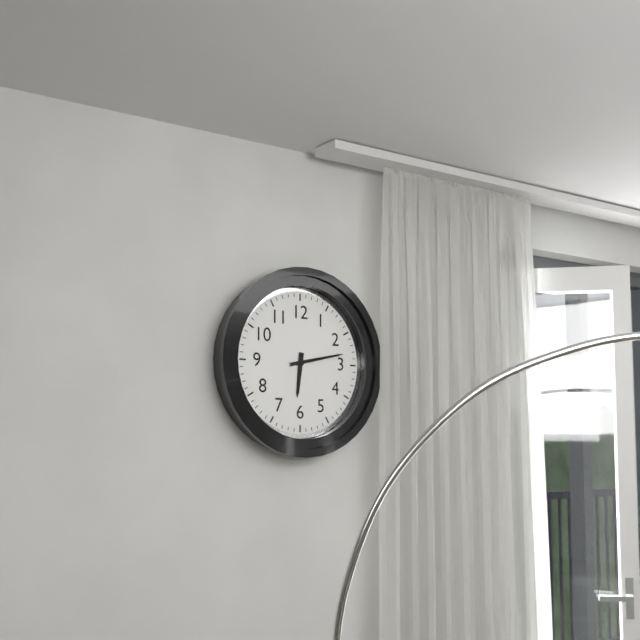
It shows 6.13
